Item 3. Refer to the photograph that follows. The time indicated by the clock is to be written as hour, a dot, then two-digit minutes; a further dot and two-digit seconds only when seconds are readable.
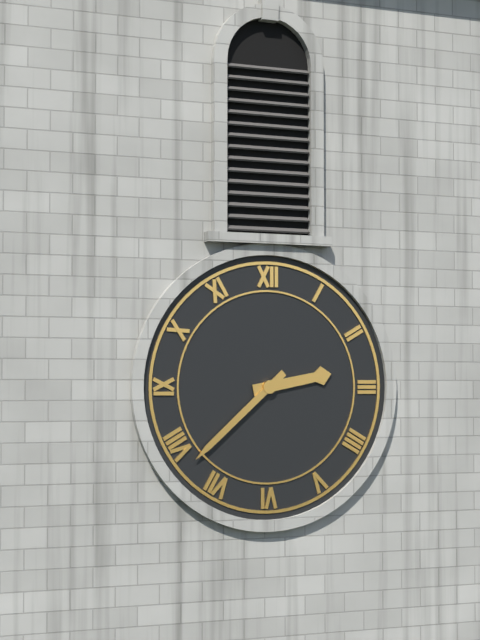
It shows 2.38
